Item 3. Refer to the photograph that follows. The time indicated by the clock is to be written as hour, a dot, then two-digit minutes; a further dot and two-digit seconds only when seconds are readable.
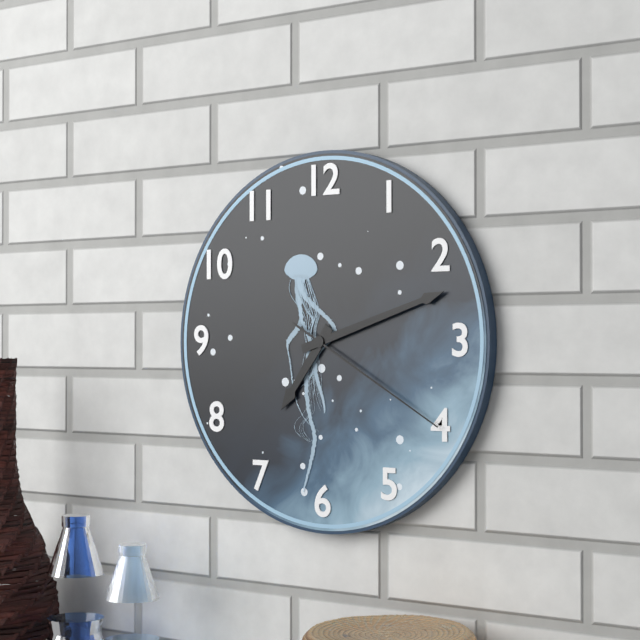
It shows 7.12.20
